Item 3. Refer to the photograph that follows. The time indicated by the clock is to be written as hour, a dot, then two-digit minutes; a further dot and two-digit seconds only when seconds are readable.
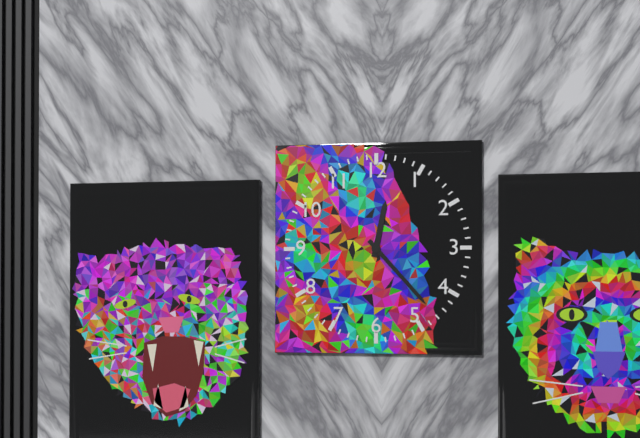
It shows 12.23
